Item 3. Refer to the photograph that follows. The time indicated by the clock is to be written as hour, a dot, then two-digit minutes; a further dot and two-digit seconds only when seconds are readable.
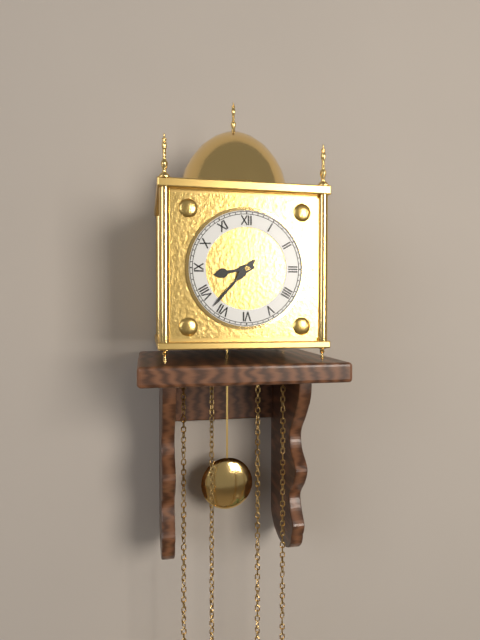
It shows 8.37
